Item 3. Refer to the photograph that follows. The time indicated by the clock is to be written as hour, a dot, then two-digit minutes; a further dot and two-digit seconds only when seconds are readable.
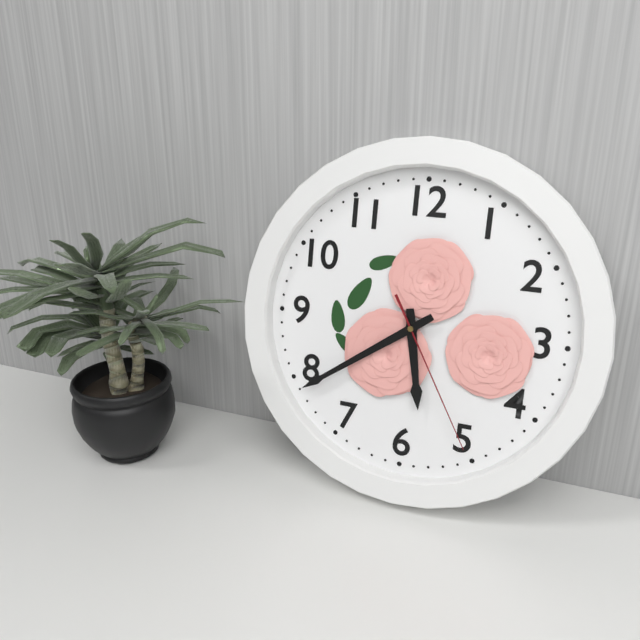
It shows 5.39.25
